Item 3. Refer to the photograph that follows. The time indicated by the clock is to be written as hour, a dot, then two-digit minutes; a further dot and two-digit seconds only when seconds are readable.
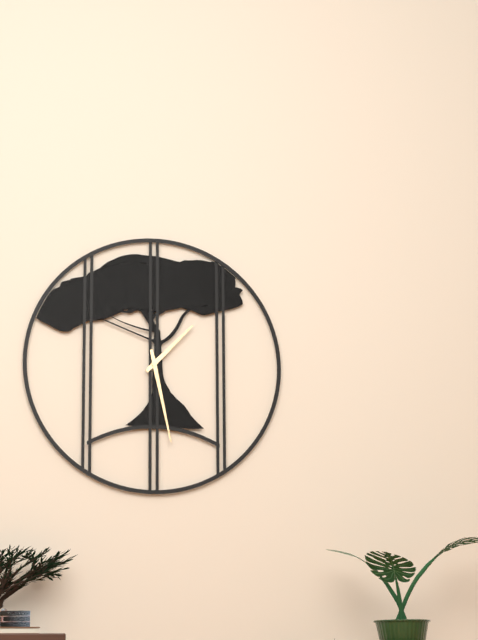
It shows 1.28
